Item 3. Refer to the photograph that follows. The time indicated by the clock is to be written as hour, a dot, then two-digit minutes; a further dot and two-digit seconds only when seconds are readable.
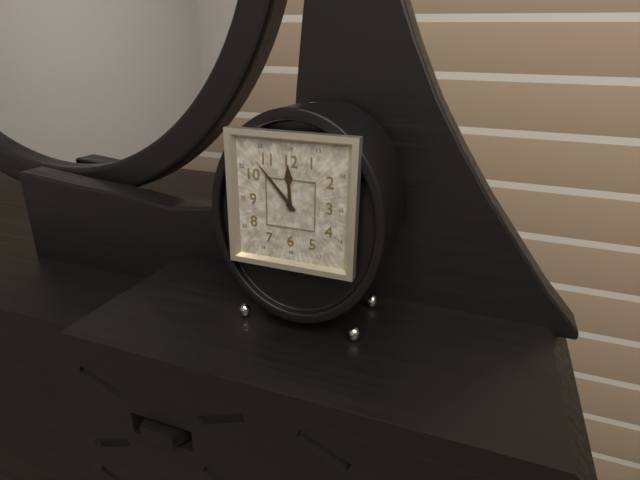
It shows 11.53
